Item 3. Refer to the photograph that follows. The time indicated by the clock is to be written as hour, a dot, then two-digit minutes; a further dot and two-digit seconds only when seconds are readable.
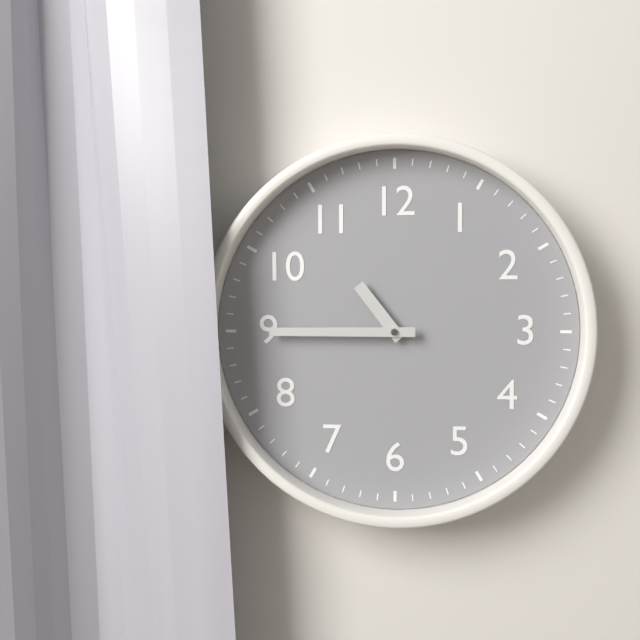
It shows 10.45
